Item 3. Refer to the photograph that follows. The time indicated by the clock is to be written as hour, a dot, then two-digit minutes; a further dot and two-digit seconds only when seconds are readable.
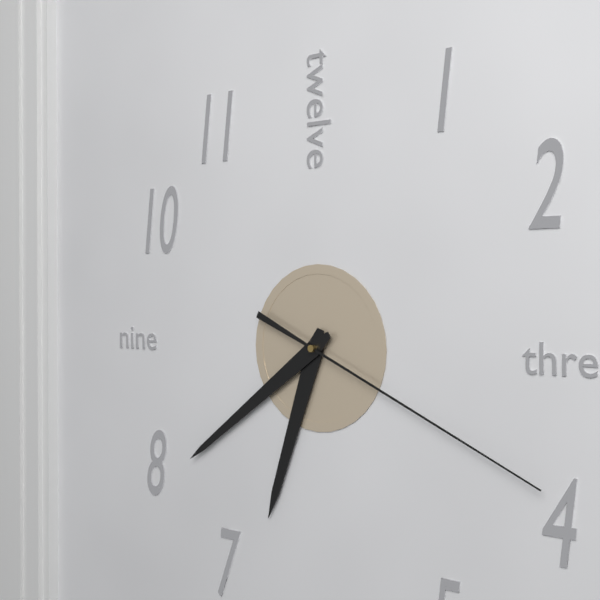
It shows 6.39.19
